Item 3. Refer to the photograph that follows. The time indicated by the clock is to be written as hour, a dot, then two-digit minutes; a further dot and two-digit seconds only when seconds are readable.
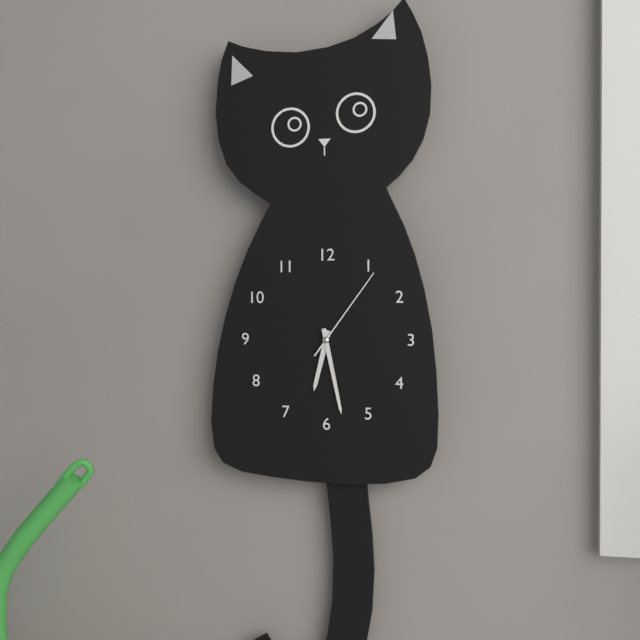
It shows 6.28.06
